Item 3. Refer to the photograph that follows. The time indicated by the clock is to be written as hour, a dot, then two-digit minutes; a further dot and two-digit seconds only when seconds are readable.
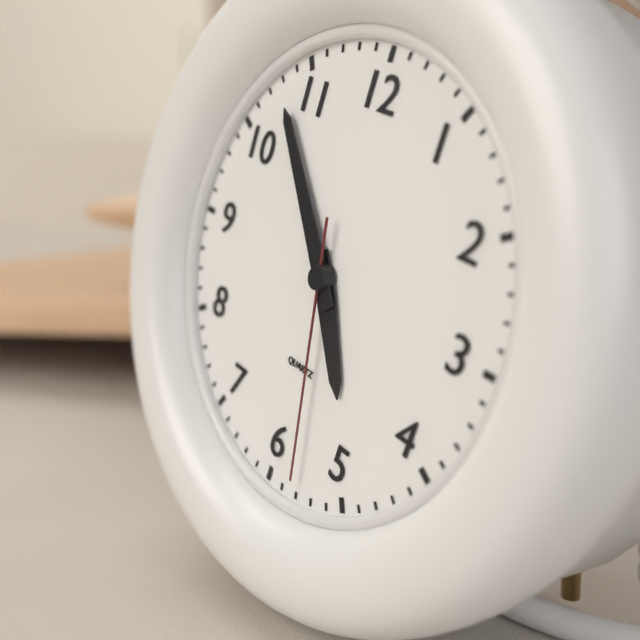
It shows 4.53.28
